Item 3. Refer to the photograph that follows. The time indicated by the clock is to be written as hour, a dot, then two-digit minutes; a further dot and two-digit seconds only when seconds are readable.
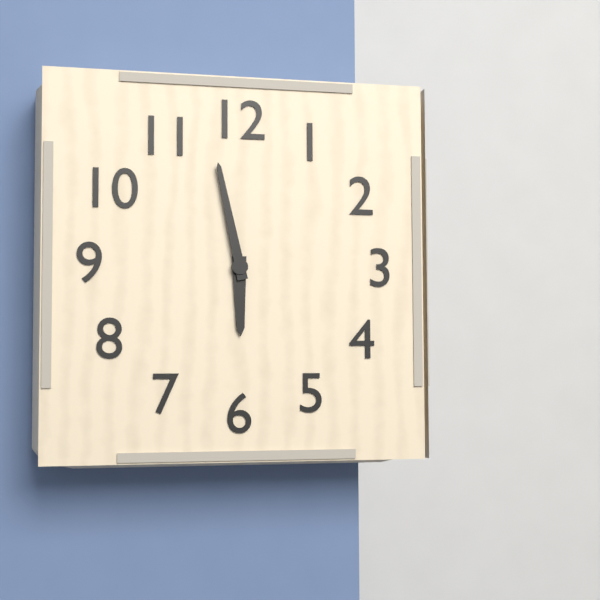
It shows 5.58
